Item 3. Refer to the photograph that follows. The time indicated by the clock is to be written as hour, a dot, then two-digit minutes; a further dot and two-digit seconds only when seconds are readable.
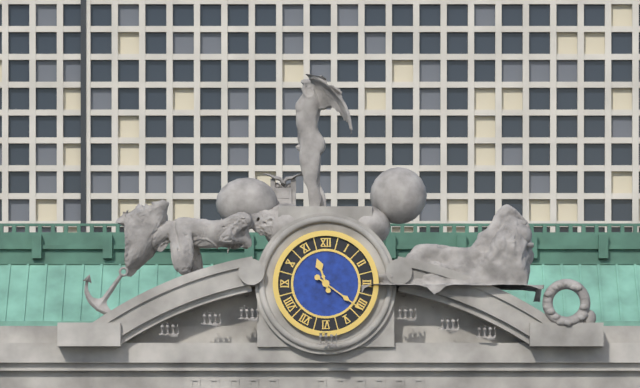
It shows 11.21
